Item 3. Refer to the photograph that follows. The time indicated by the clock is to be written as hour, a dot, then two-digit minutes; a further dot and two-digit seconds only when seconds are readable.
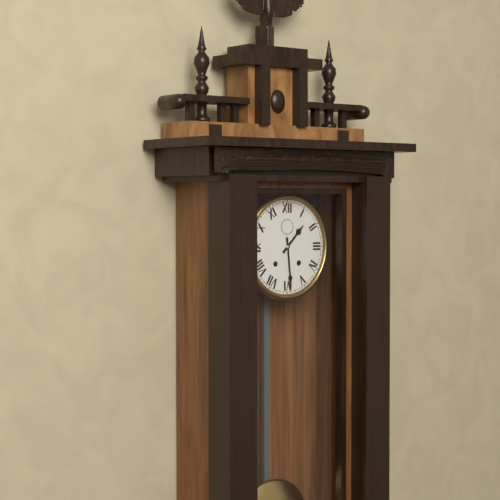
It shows 1.29
